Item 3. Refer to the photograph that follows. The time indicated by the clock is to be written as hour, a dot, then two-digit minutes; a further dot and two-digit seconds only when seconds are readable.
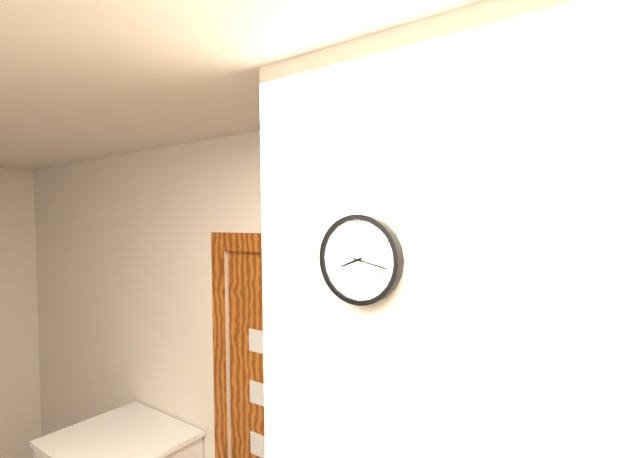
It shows 8.17
